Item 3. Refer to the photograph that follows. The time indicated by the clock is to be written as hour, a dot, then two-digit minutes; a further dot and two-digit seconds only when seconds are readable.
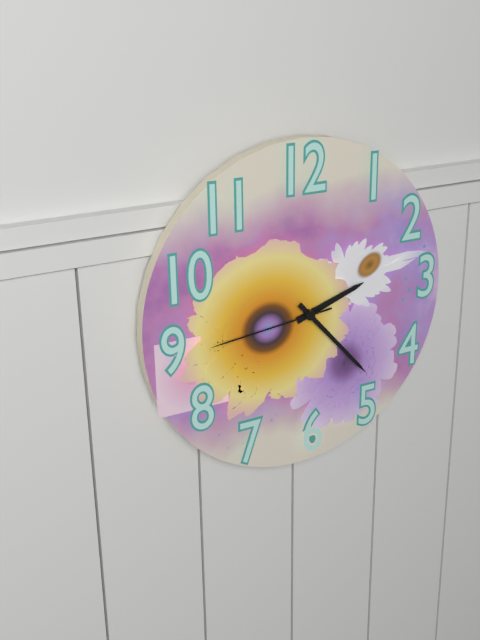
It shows 2.23.44
